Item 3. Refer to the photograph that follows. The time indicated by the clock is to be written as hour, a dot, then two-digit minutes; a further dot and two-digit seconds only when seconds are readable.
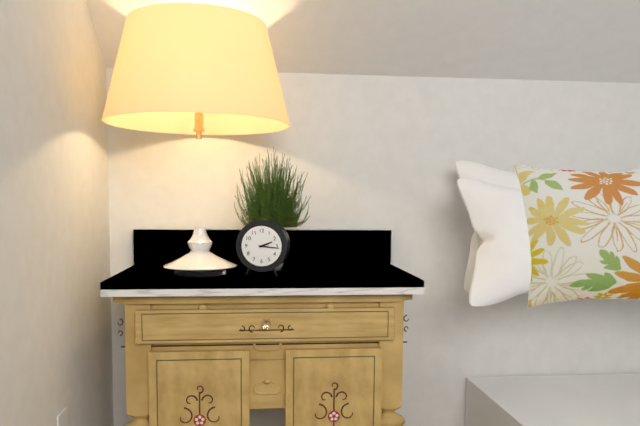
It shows 2.16
